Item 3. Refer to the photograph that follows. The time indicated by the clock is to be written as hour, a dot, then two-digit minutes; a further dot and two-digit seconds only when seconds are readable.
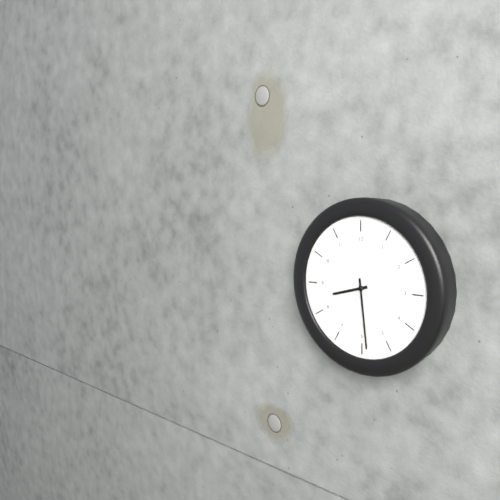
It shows 8.29
